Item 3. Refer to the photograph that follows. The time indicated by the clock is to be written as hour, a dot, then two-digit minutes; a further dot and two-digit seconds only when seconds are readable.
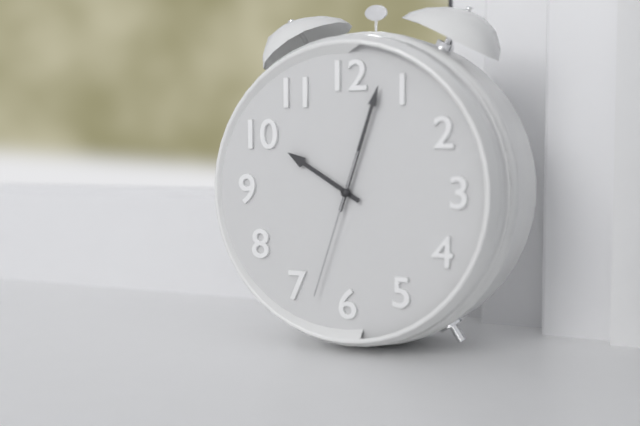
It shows 10.03.33
